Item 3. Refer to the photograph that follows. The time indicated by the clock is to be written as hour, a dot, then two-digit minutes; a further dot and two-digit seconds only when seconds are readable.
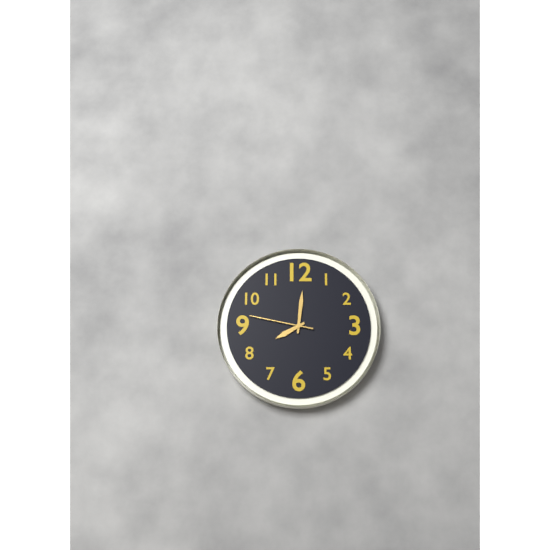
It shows 8.01.47
